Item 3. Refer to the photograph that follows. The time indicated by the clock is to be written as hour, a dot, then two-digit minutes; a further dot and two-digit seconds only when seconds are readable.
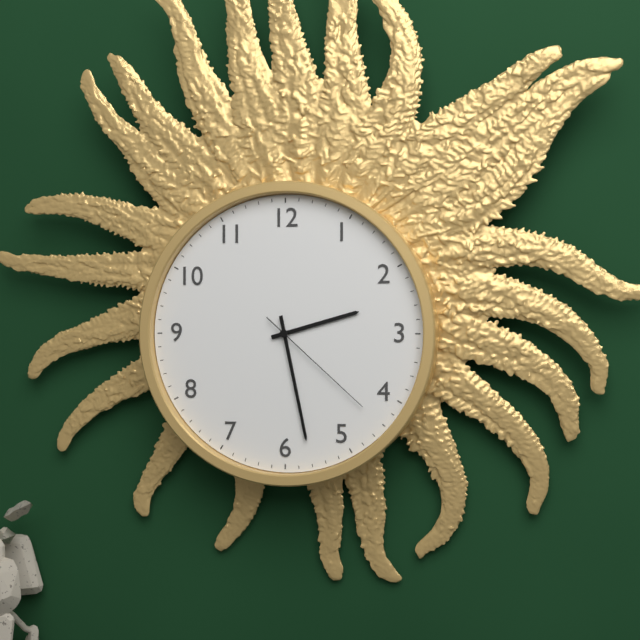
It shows 2.28.22
